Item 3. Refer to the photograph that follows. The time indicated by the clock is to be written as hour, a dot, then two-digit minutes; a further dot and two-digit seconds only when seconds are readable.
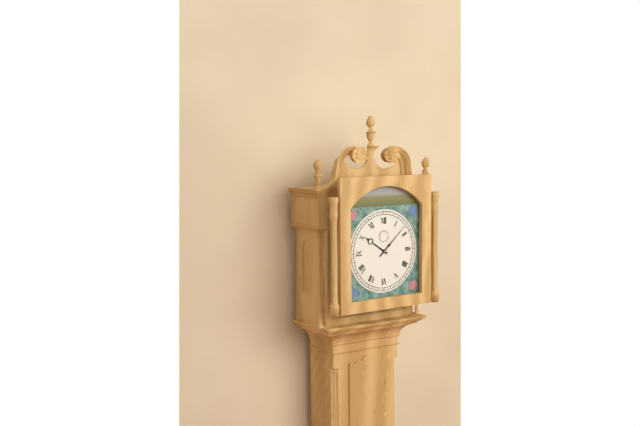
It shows 10.08
